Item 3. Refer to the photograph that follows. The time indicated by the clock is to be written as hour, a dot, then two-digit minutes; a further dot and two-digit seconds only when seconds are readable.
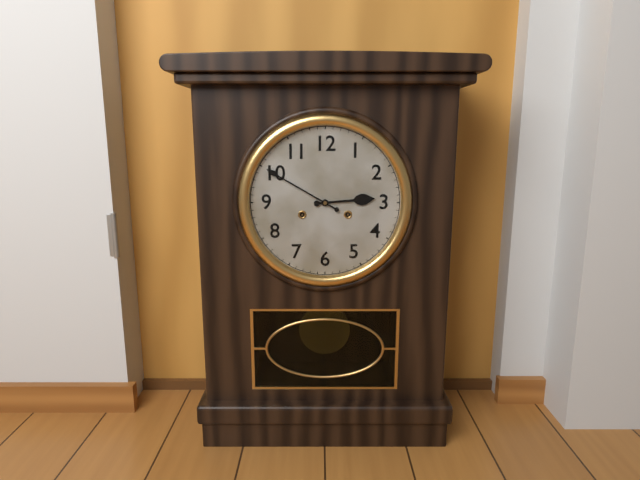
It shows 2.50
